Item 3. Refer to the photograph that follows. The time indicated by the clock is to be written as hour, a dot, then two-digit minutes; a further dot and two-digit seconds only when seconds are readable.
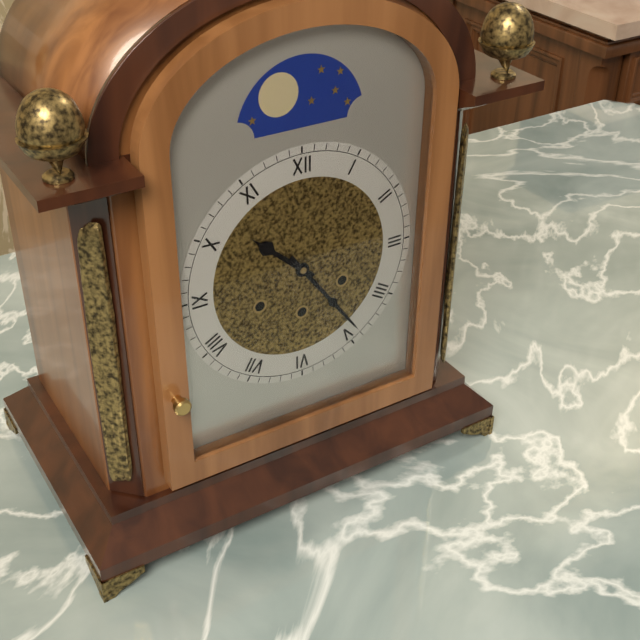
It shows 10.24
